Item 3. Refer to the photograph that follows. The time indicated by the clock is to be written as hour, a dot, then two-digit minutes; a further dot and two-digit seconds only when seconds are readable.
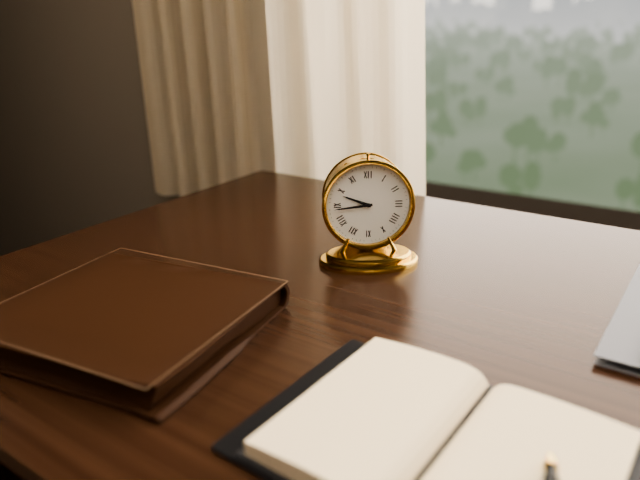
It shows 9.44
